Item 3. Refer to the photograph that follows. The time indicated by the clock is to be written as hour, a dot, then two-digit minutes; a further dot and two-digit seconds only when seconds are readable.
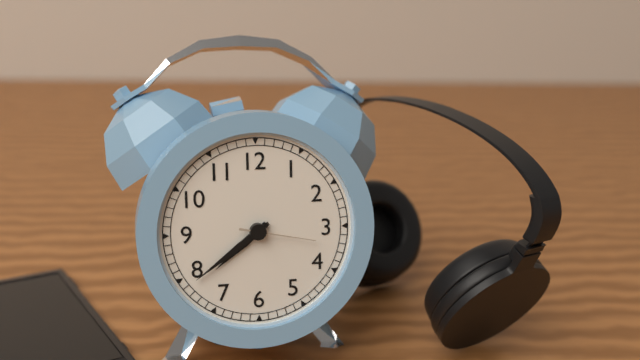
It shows 7.39.17
